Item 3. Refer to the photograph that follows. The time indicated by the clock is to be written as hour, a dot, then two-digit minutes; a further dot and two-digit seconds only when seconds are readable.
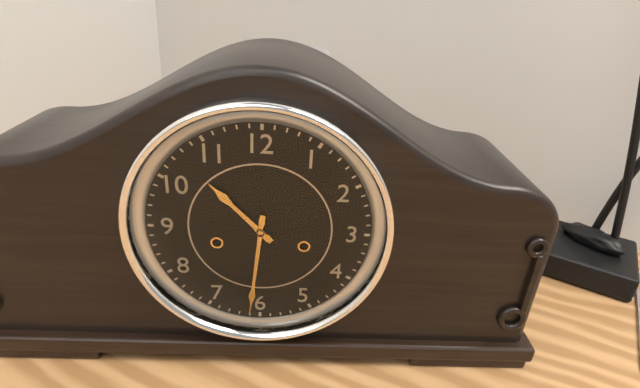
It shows 10.31
